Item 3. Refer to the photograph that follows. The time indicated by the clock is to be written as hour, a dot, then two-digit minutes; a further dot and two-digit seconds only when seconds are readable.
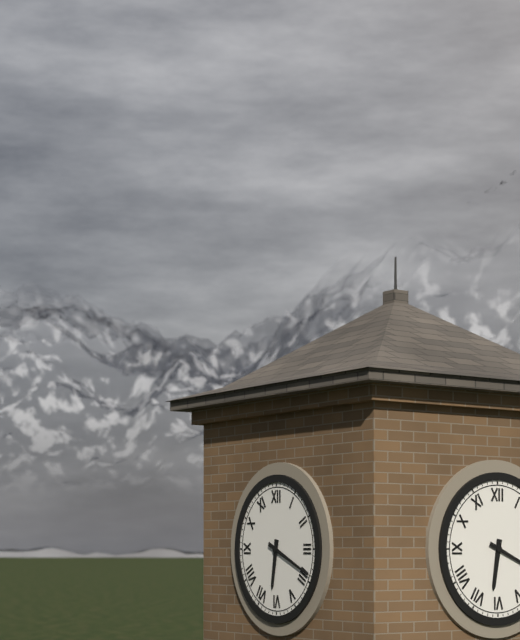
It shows 6.19
